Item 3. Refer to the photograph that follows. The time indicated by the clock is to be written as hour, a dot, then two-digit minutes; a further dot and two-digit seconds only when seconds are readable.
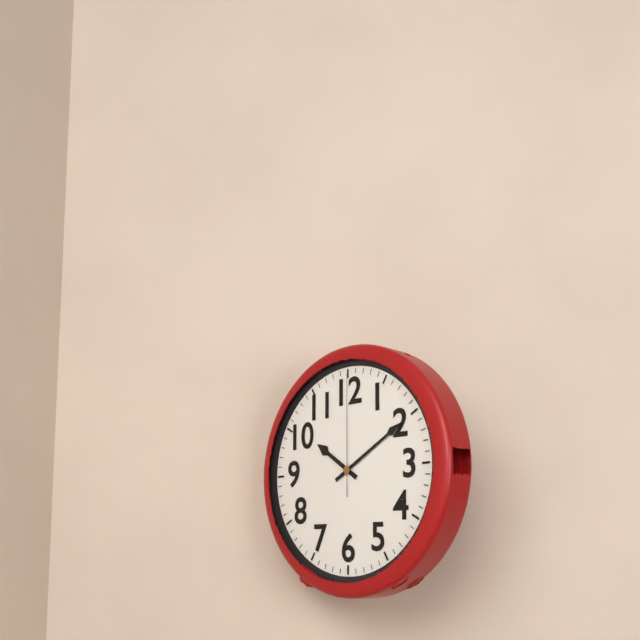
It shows 10.10.00
